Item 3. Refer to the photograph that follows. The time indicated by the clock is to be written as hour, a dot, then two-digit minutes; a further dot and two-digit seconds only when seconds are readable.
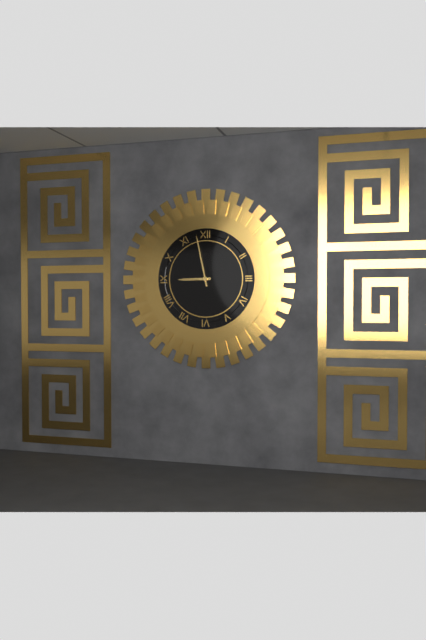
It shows 8.58
